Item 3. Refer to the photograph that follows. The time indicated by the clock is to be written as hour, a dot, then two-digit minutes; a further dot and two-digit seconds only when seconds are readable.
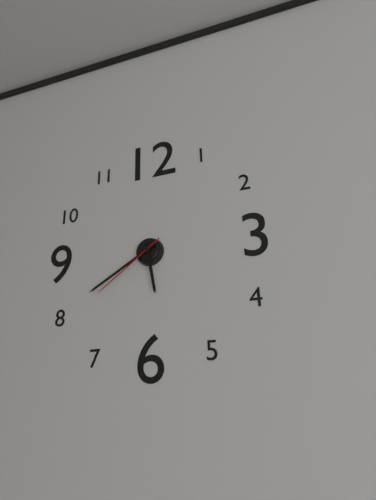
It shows 5.40.39
